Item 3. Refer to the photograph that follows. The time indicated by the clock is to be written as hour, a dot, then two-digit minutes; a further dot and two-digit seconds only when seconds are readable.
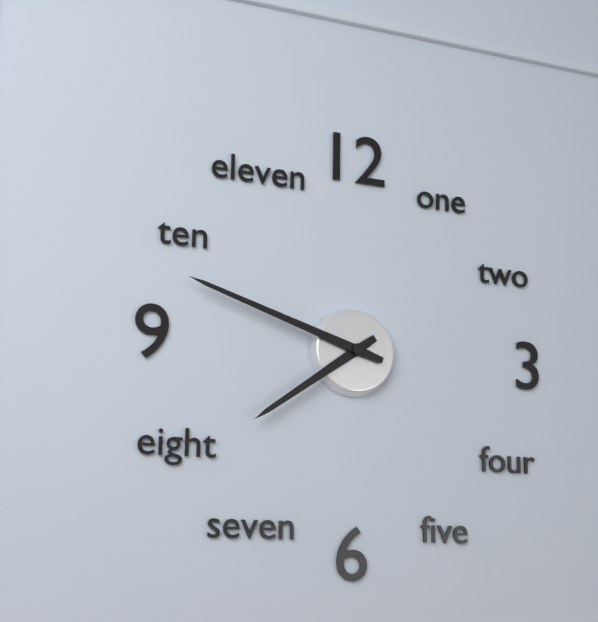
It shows 7.48
